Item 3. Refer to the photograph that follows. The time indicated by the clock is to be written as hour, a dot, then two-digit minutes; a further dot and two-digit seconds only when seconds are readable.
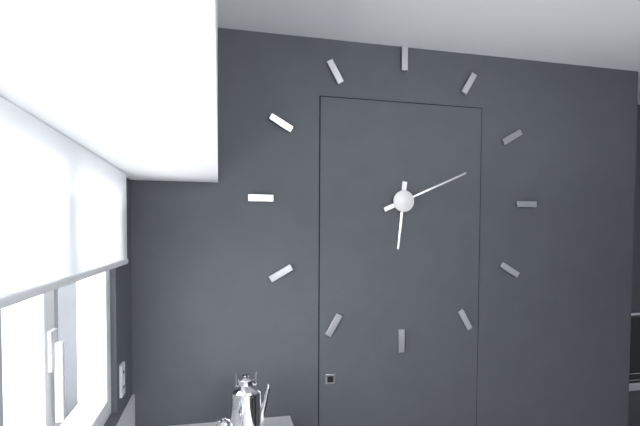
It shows 6.11
